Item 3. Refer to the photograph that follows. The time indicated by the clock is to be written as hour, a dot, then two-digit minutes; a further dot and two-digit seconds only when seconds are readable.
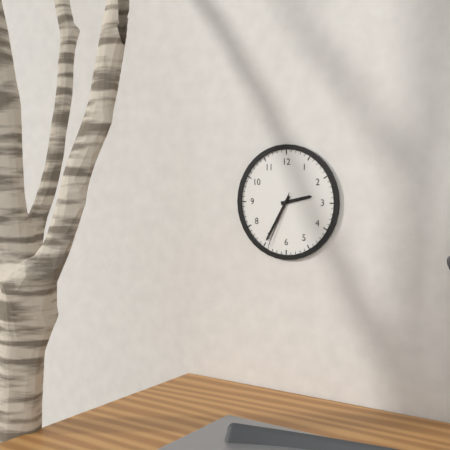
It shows 2.35.34
